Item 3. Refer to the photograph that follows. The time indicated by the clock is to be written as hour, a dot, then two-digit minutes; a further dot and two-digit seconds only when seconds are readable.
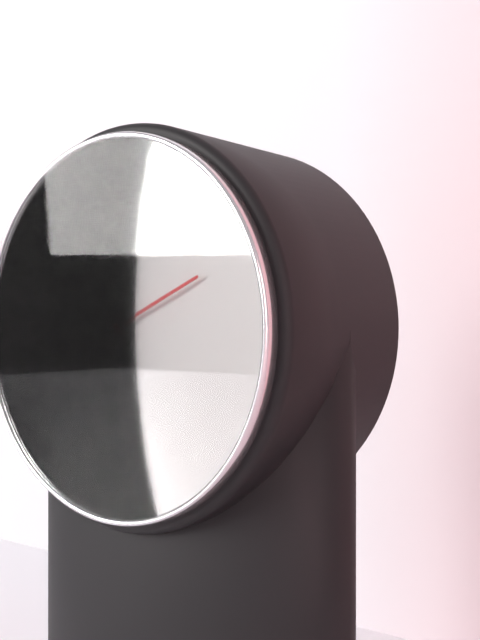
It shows 10.53.11
